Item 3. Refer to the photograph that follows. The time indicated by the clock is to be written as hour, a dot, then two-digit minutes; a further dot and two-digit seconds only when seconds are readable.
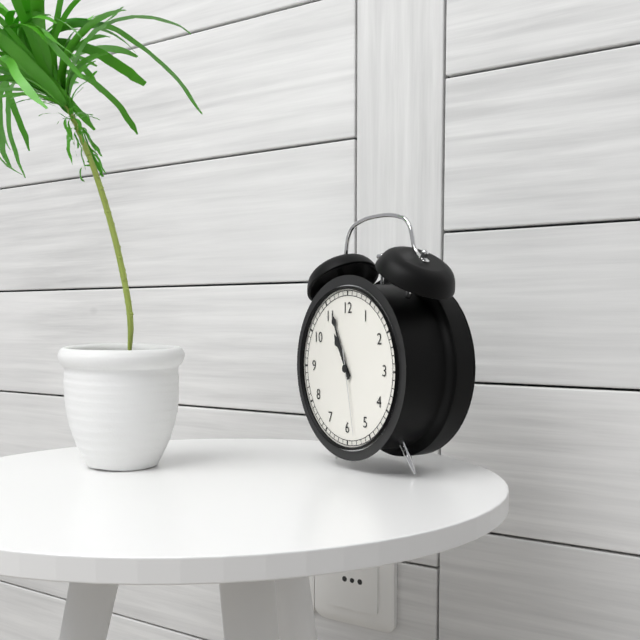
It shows 10.56.28
